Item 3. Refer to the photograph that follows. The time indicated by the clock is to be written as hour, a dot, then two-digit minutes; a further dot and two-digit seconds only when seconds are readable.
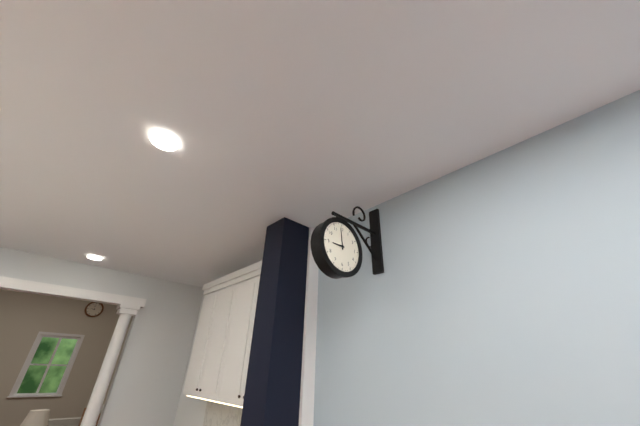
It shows 8.59
